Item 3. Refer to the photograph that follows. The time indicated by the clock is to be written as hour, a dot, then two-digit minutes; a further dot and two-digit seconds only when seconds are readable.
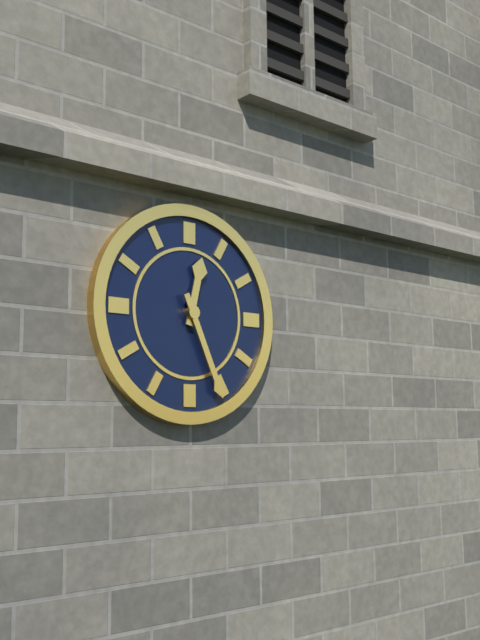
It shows 12.26
